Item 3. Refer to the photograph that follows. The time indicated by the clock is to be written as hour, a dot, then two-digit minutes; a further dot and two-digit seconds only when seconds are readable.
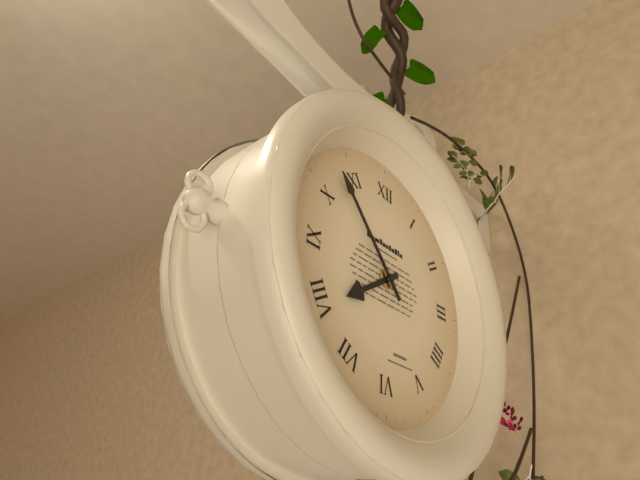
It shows 7.53
